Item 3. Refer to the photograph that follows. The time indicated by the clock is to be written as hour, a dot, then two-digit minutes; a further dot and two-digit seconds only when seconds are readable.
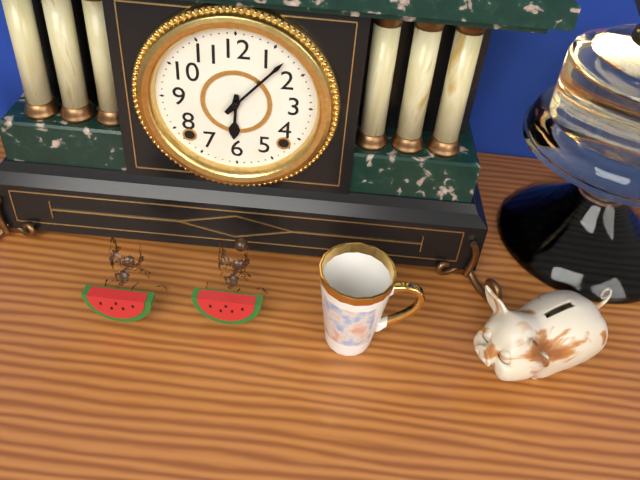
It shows 6.07
